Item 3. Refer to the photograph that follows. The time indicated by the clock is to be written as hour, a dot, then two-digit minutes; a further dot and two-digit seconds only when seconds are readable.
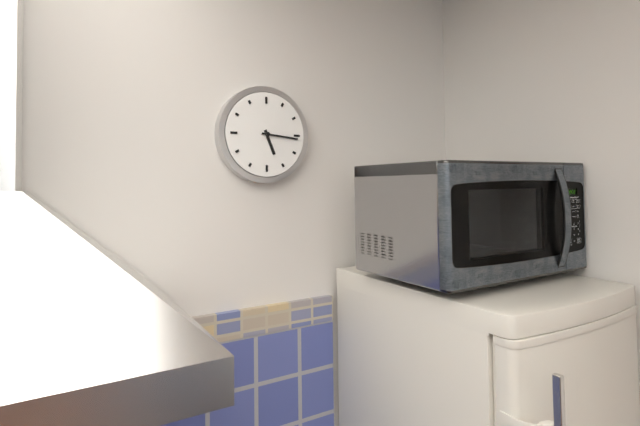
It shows 5.16
